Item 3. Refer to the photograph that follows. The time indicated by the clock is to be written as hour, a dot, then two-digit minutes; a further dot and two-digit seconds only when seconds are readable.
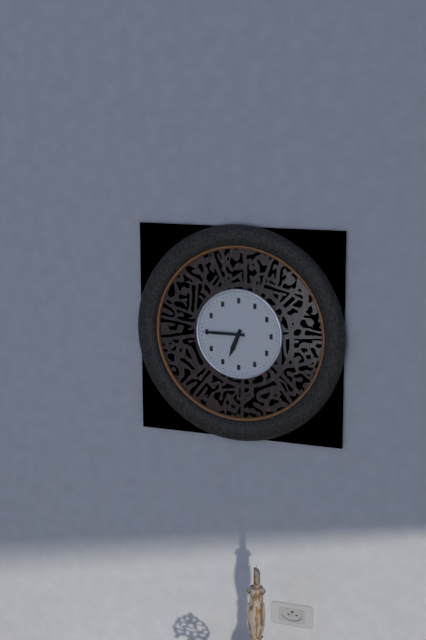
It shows 6.45
